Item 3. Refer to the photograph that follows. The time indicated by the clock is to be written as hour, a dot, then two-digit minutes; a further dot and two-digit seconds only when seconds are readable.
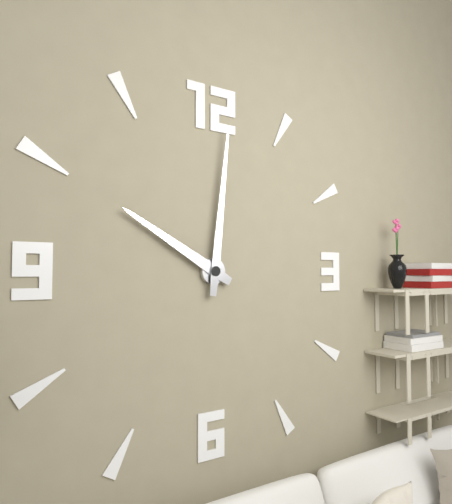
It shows 10.01
